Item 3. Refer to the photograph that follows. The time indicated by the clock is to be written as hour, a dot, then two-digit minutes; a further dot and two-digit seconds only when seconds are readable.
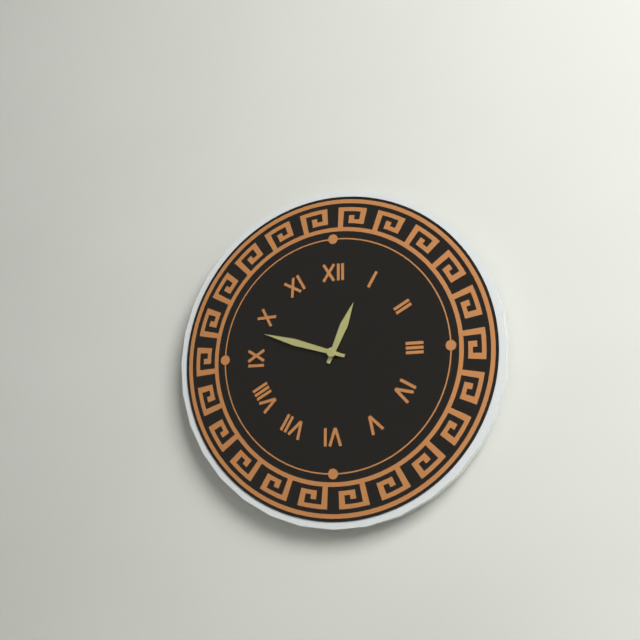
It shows 12.48
